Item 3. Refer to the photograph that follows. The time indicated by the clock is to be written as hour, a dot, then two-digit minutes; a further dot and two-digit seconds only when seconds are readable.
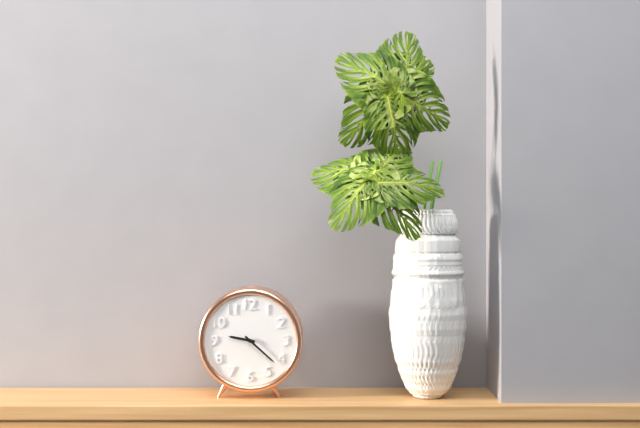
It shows 9.22
